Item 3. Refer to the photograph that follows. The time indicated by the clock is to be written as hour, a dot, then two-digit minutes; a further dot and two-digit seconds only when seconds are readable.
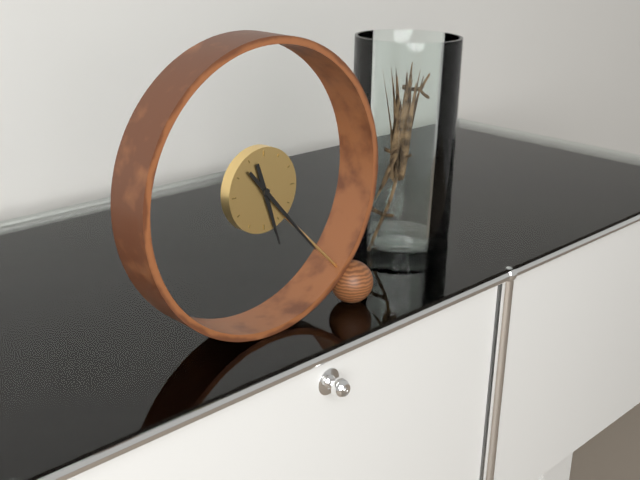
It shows 5.23
